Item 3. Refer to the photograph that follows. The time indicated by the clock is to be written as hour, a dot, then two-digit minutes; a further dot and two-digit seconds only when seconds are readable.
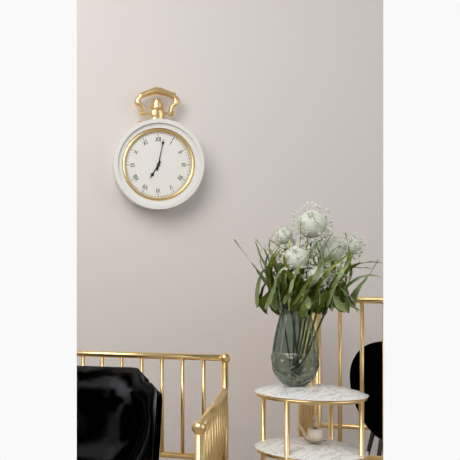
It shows 7.02
